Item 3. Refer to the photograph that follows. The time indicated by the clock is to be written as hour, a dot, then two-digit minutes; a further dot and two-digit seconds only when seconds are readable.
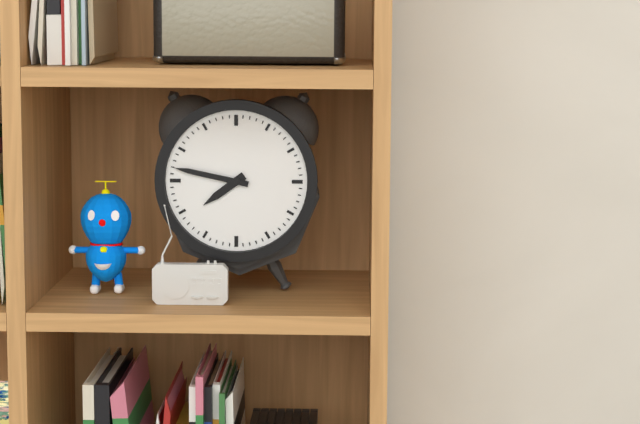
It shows 7.47
